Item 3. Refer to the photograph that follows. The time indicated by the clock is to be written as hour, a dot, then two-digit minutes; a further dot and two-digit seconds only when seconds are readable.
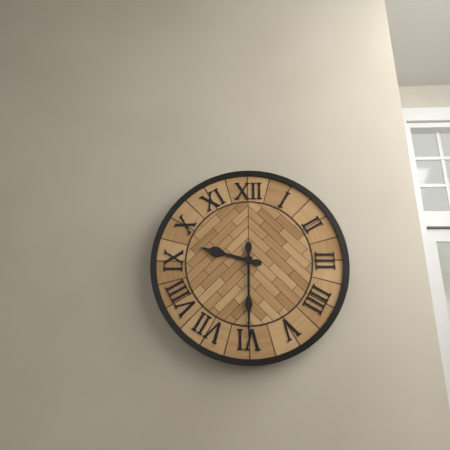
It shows 9.30
